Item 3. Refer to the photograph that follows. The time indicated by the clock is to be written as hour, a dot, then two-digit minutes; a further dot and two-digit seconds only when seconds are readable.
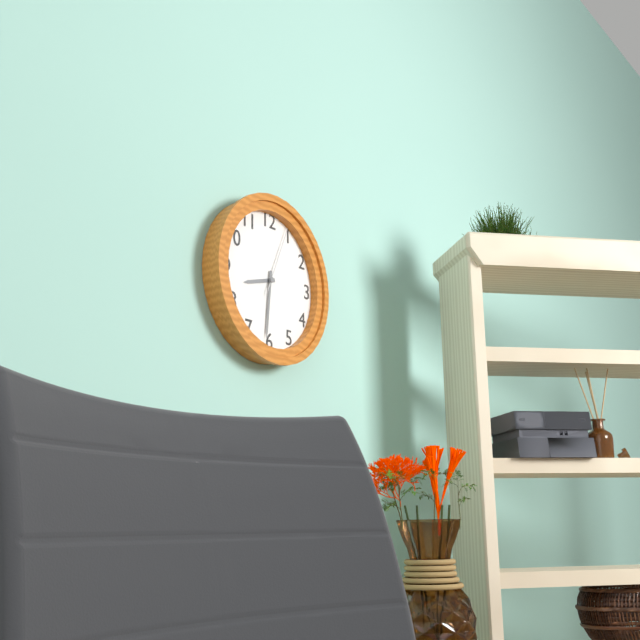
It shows 8.31.04
